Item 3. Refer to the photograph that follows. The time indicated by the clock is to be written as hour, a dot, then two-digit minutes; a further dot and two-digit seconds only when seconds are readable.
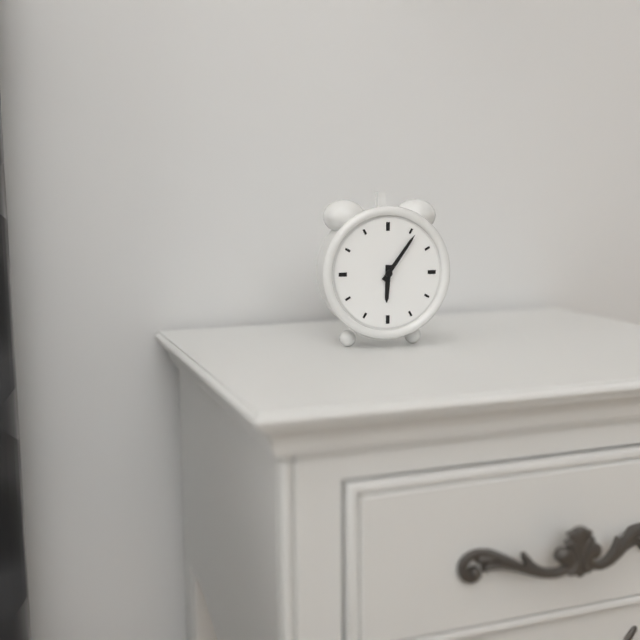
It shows 6.06
